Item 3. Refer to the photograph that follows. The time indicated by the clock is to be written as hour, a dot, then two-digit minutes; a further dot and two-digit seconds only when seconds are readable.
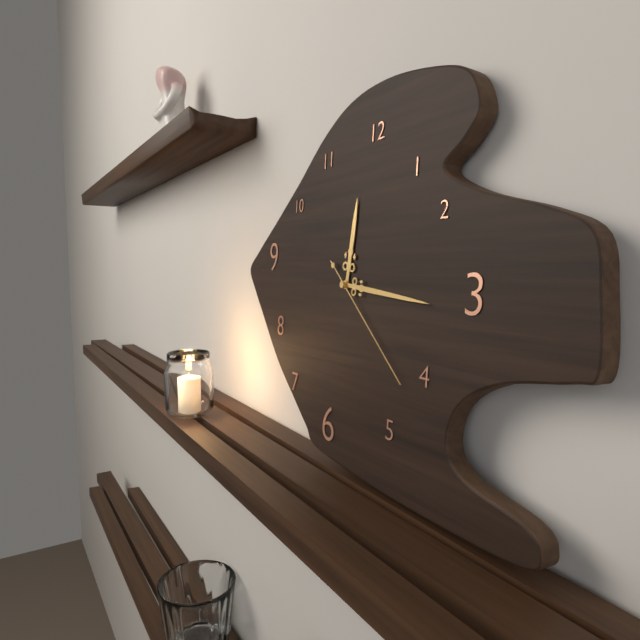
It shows 12.16.22
